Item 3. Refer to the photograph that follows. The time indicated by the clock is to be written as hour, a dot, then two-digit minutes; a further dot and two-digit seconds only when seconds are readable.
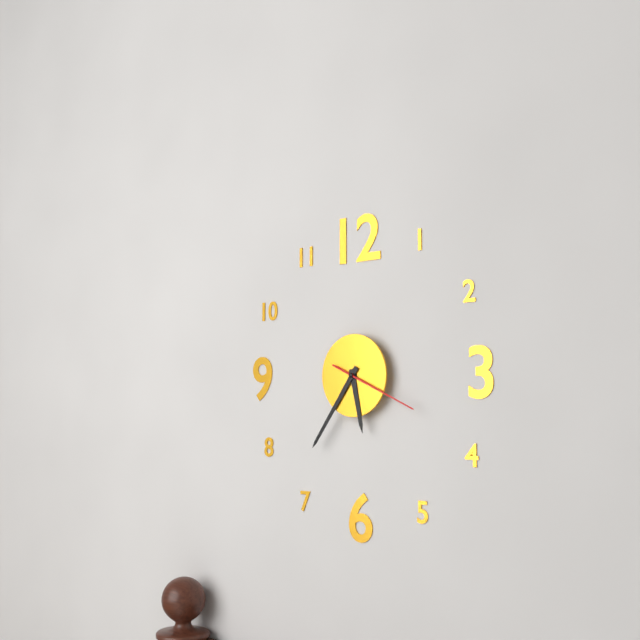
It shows 5.36.19
